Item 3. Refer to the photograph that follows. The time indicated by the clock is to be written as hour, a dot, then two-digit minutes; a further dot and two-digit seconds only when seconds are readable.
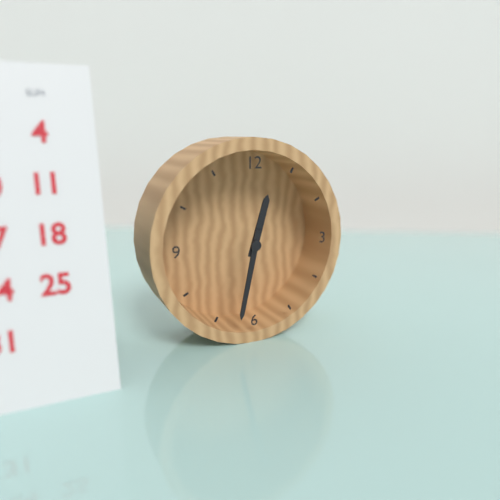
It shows 12.32
